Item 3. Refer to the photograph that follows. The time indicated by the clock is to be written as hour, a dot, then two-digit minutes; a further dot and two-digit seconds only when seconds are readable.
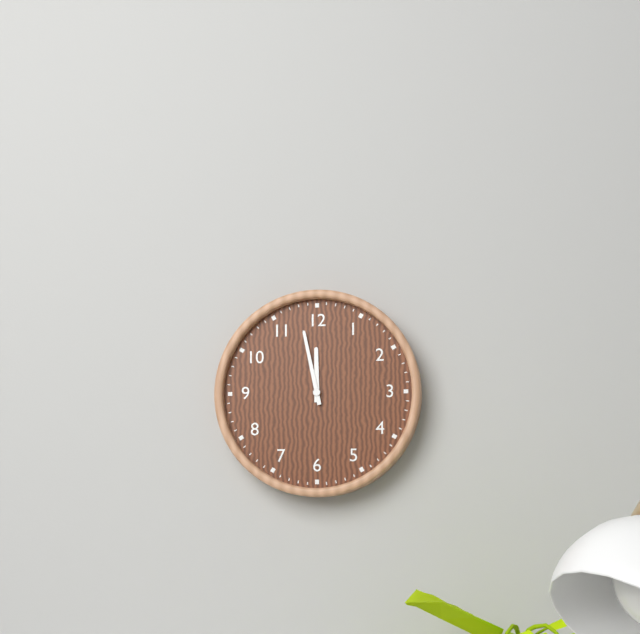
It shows 11.58
